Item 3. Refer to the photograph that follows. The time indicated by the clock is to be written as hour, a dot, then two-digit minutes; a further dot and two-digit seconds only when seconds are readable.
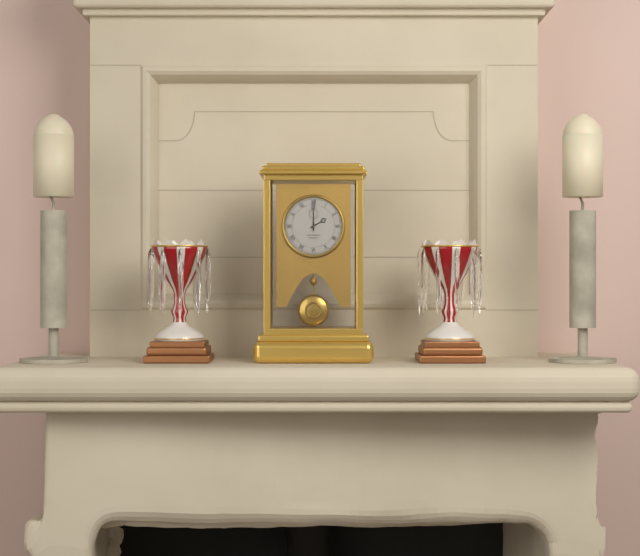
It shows 2.00
